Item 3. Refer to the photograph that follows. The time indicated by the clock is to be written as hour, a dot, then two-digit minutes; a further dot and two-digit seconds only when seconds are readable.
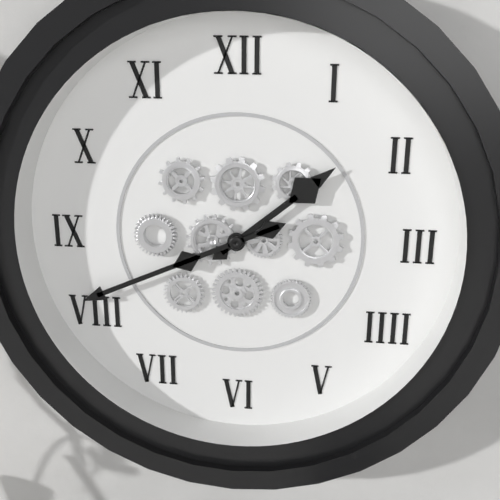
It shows 1.41
